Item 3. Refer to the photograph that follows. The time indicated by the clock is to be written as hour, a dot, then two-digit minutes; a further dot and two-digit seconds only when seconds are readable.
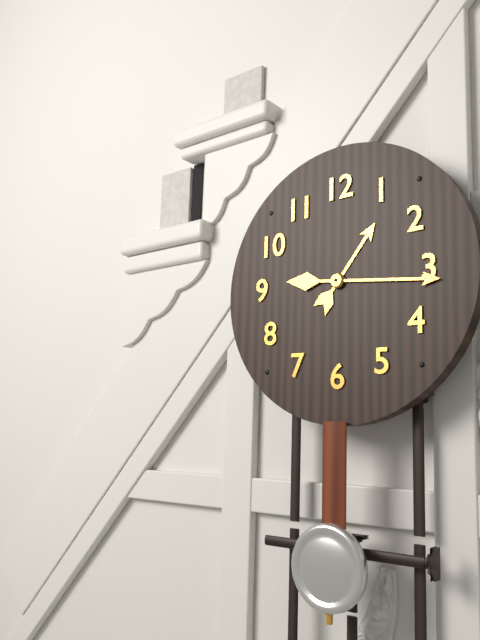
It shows 1.16
